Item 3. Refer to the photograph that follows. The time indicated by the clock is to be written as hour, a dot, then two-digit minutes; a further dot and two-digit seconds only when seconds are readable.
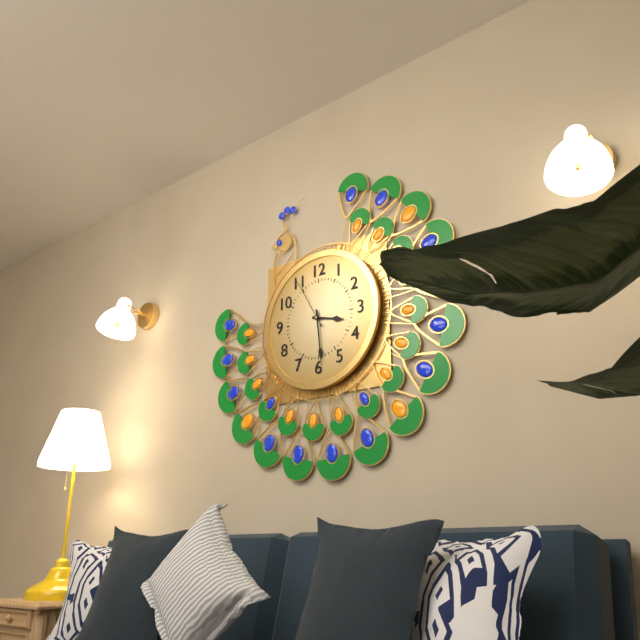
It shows 3.29.55
